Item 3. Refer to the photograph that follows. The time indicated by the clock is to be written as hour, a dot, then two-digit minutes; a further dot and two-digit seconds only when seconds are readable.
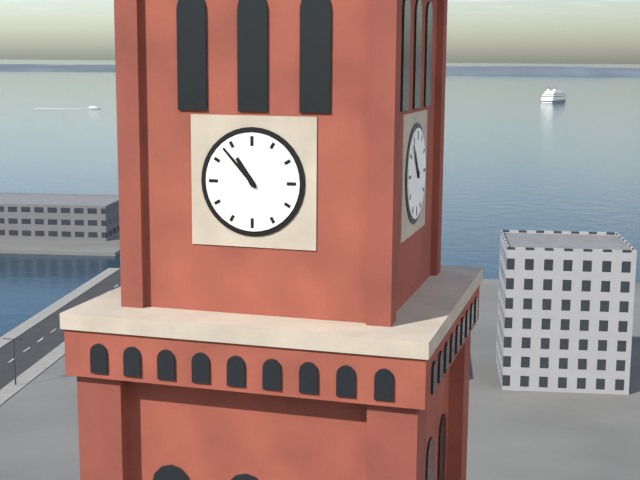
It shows 10.53
